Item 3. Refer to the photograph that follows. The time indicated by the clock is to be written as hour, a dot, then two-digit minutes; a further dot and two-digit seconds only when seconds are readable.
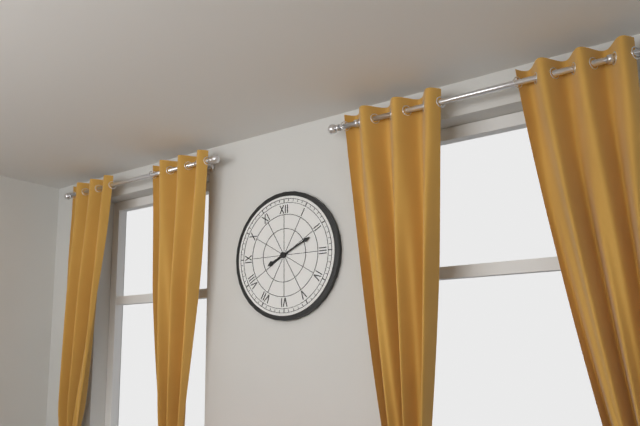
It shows 8.11
